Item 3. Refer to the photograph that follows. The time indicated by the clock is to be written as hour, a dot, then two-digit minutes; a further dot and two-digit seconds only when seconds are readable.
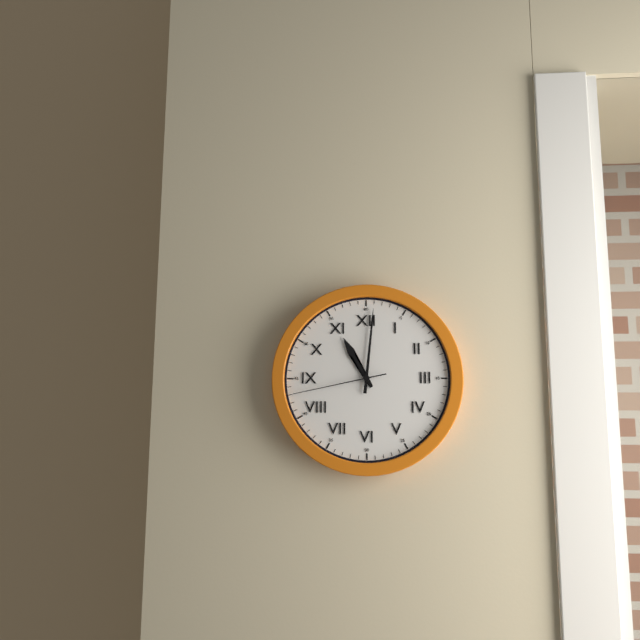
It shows 11.01.43
